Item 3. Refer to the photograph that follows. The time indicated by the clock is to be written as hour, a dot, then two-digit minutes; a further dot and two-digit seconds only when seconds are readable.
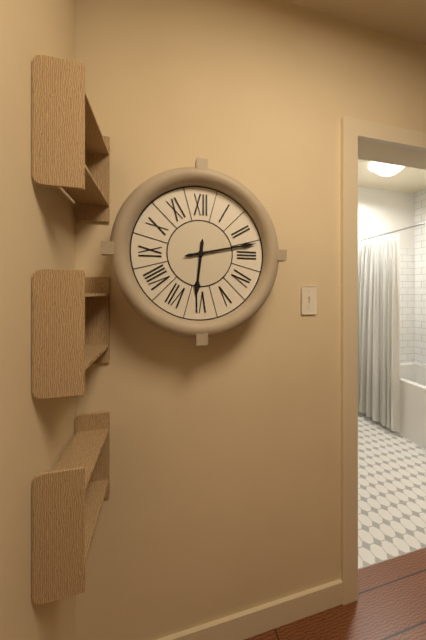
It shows 6.13
